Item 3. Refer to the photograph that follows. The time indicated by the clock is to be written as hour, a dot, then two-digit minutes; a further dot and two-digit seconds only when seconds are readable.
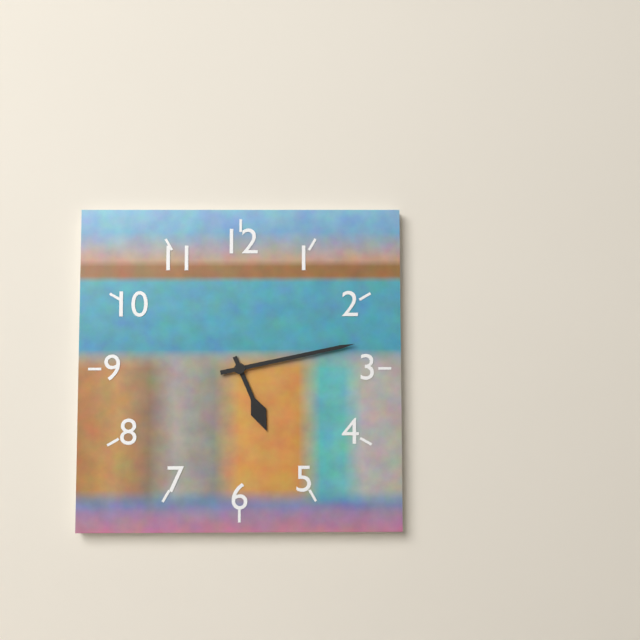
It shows 5.13
